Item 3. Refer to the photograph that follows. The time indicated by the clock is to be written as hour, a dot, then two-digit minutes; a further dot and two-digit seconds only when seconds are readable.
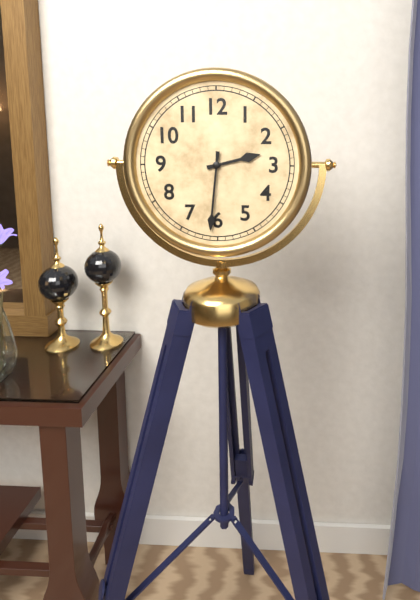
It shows 2.31
